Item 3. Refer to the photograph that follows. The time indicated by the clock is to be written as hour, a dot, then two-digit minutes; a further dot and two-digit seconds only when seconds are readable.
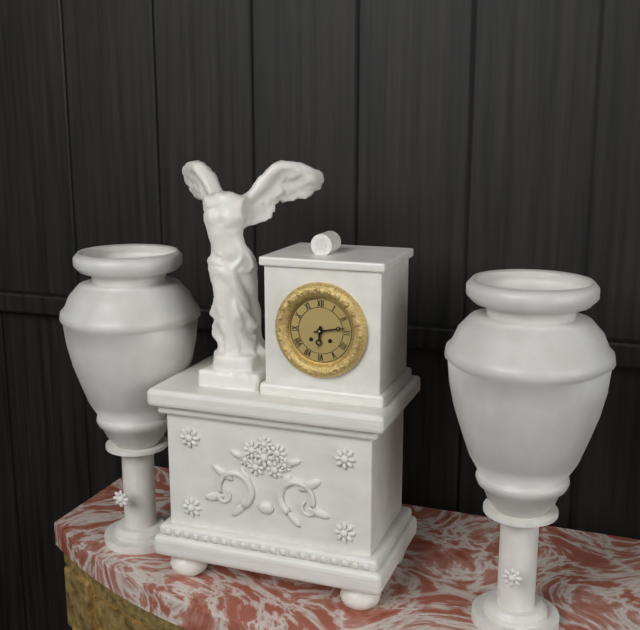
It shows 6.13
